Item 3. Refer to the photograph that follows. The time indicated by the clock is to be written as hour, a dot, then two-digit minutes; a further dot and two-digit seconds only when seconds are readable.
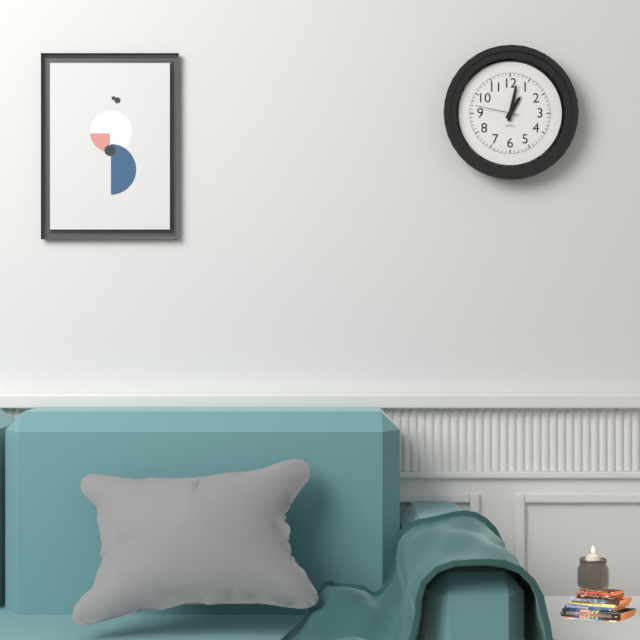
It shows 1.02
